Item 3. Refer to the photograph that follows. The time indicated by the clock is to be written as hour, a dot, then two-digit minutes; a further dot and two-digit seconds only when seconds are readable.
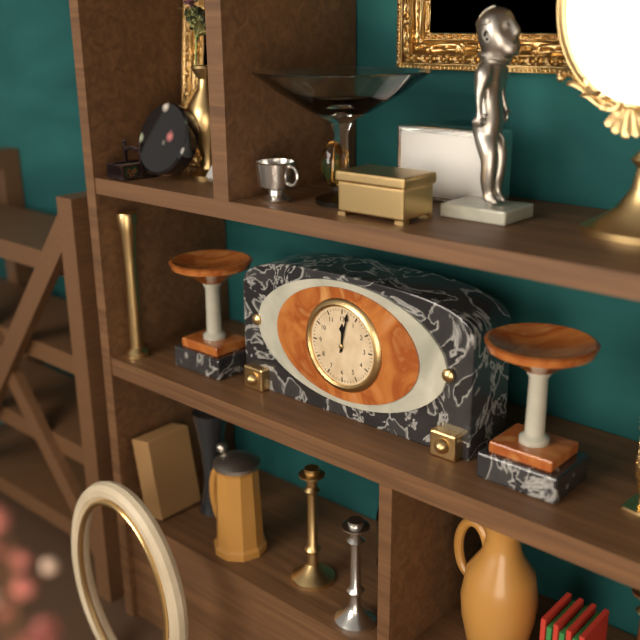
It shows 12.02
